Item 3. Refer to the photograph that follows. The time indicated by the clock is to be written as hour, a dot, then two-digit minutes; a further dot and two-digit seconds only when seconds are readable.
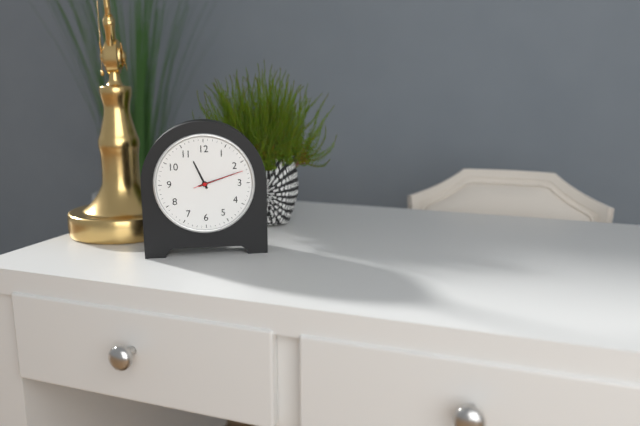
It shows 11.12.12
